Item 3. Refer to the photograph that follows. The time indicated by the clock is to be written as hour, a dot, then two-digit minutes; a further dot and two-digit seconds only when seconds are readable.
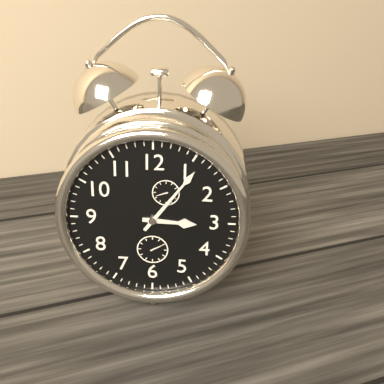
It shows 3.06
